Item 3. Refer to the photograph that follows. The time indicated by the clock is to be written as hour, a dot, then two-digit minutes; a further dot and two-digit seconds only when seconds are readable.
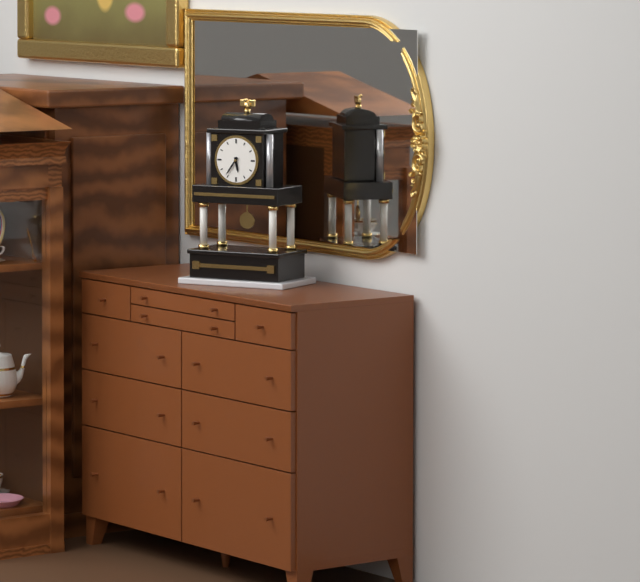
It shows 5.36
